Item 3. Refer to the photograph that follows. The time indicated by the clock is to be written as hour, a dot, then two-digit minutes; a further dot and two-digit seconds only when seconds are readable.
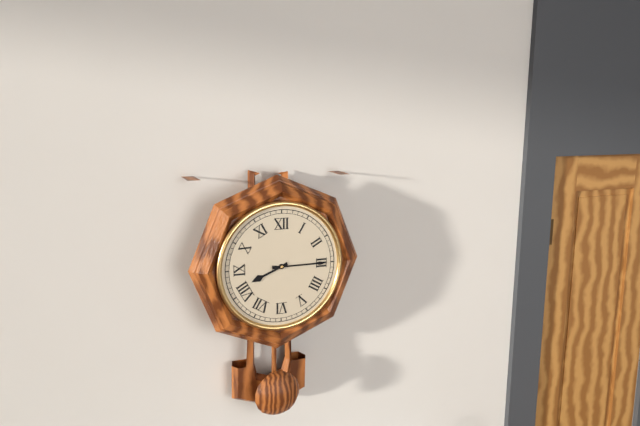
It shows 8.15
